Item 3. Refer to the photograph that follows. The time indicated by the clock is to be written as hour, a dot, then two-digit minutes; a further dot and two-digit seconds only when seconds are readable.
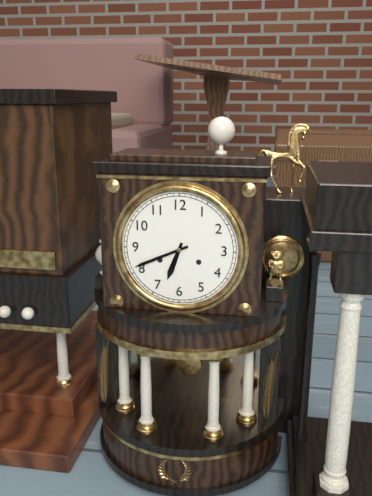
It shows 6.41
